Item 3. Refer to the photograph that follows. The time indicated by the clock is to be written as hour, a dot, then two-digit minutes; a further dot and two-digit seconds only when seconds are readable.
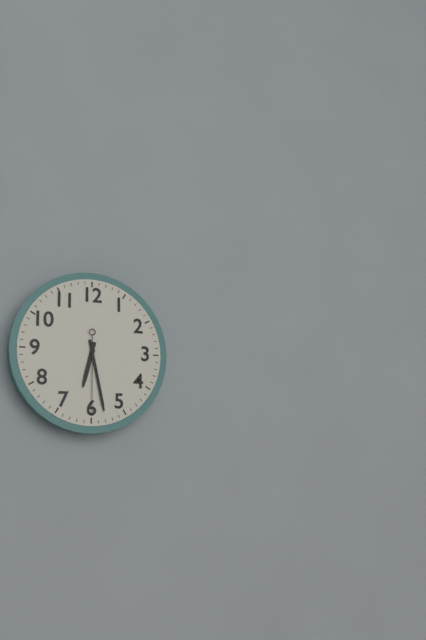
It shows 6.28.30
